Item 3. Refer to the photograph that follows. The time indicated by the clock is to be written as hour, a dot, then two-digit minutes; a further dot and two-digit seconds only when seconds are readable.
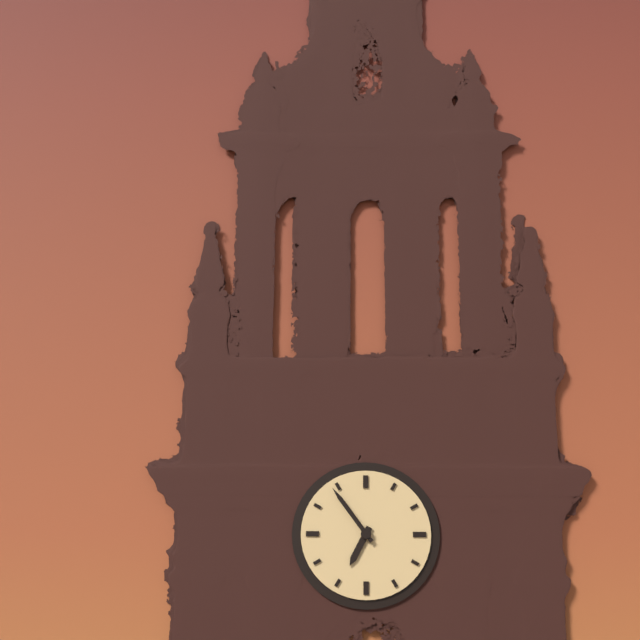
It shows 6.54
